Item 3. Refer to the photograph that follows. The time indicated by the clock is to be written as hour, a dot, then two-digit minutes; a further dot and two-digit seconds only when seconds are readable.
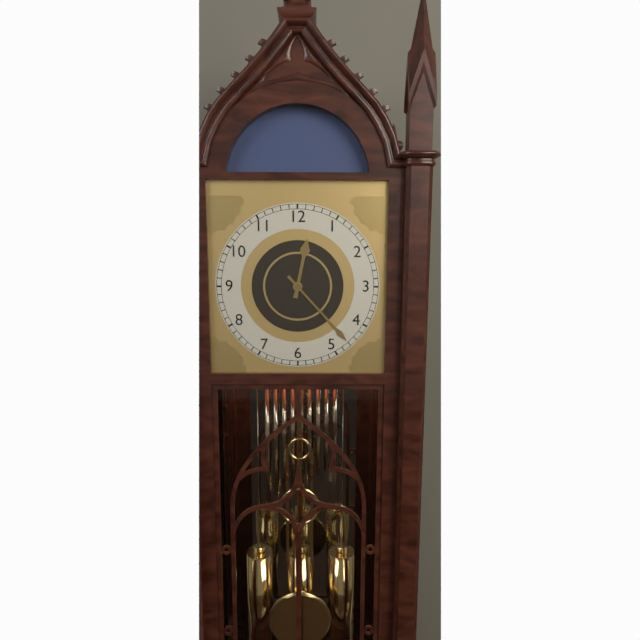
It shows 12.23
